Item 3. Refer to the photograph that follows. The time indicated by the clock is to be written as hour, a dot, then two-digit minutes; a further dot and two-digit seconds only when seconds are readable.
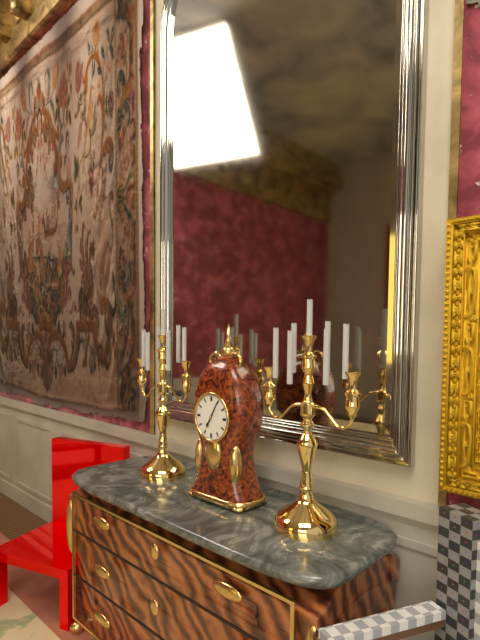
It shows 7.05
